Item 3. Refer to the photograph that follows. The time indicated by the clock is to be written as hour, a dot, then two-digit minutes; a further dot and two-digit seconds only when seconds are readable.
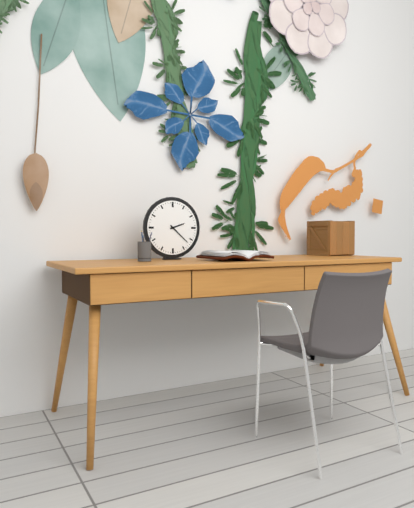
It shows 2.22
